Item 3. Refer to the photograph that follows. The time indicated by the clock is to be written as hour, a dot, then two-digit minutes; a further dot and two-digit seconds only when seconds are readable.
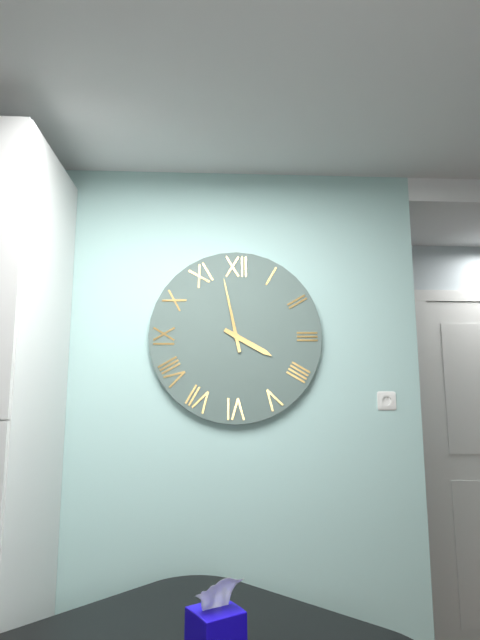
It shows 3.58
